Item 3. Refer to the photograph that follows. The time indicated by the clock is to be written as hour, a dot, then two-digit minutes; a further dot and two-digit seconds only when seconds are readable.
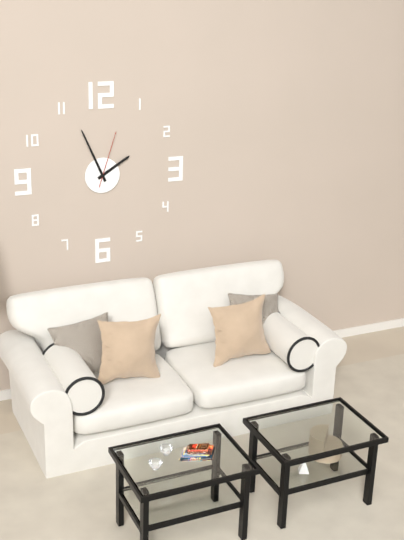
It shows 1.56.03
